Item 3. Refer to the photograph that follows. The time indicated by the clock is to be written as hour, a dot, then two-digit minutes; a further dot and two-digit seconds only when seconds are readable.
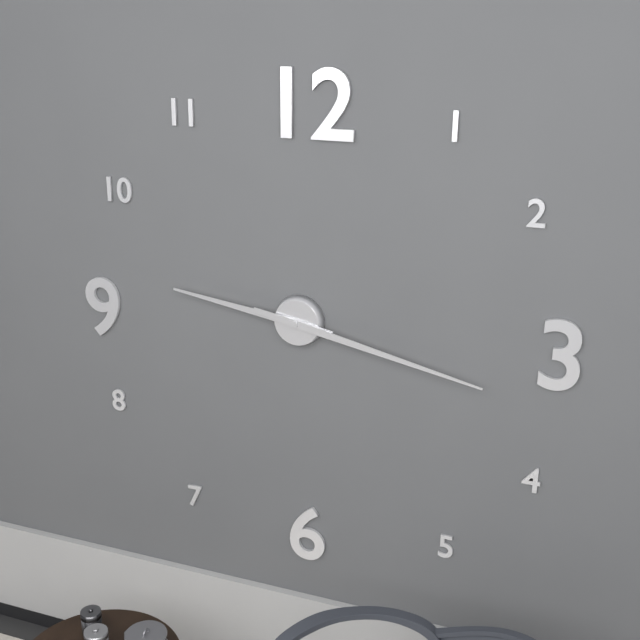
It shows 9.17
